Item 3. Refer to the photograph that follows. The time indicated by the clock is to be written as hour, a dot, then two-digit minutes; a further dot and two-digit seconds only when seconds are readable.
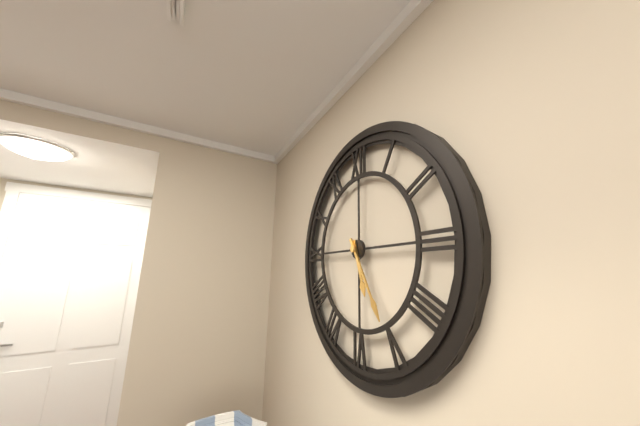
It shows 5.25
